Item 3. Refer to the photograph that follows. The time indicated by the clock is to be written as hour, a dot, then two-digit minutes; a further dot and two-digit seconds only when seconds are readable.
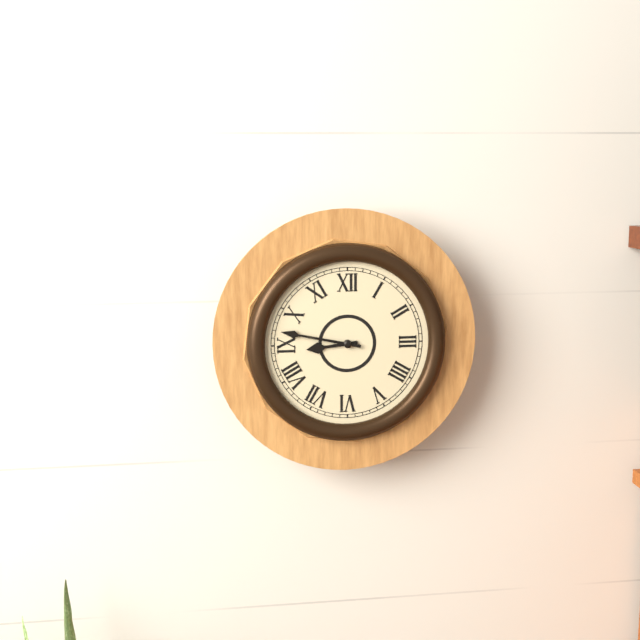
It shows 8.47
